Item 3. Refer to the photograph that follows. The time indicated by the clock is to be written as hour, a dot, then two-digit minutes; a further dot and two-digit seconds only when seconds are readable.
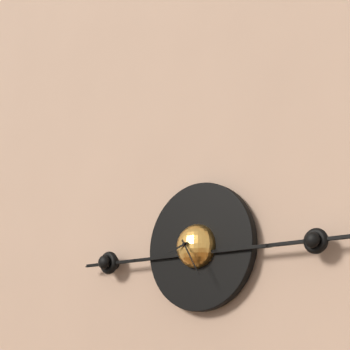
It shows 8.25
